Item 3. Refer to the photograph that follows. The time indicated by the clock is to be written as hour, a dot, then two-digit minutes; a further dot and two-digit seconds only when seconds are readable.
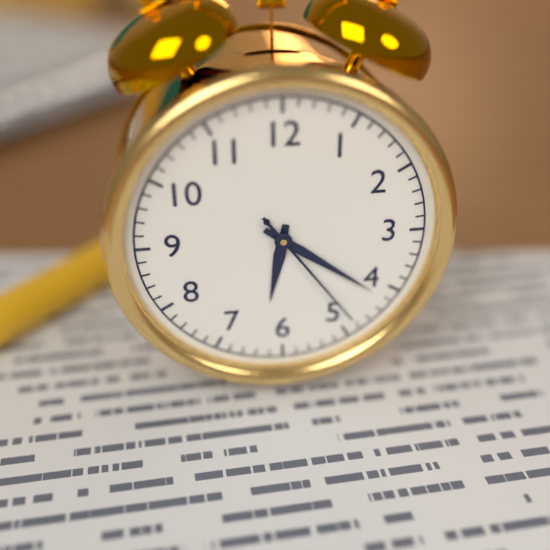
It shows 6.21.24
